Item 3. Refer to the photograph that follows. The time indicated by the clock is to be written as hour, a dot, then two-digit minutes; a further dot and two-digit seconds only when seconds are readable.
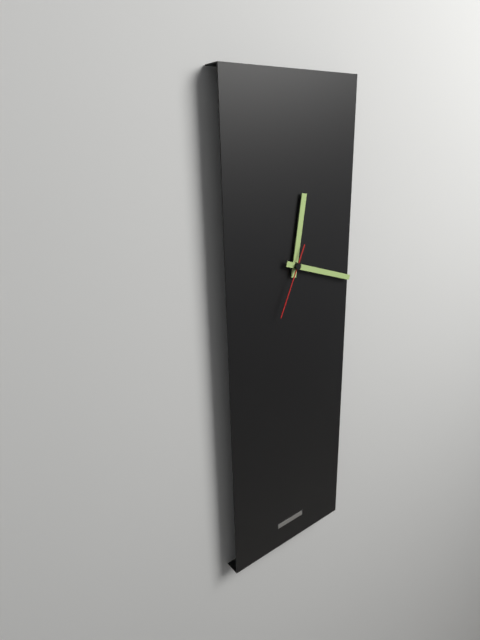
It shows 12.18.34
